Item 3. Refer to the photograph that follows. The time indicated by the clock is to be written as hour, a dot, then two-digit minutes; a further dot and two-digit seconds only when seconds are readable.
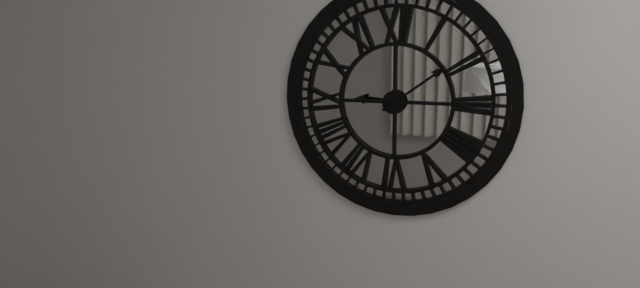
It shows 9.09
